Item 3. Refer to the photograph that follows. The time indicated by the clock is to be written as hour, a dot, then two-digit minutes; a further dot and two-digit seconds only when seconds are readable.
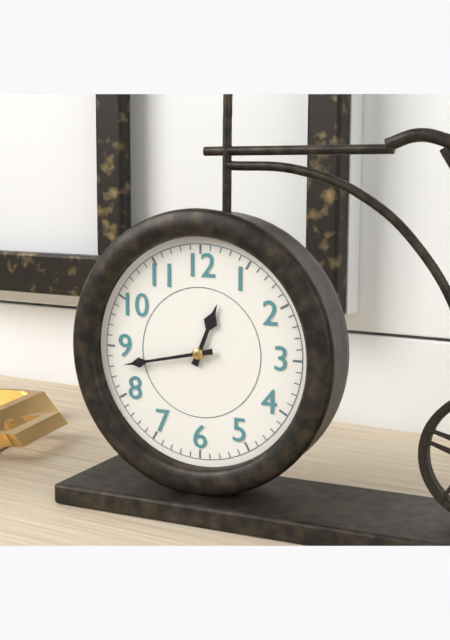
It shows 12.43
